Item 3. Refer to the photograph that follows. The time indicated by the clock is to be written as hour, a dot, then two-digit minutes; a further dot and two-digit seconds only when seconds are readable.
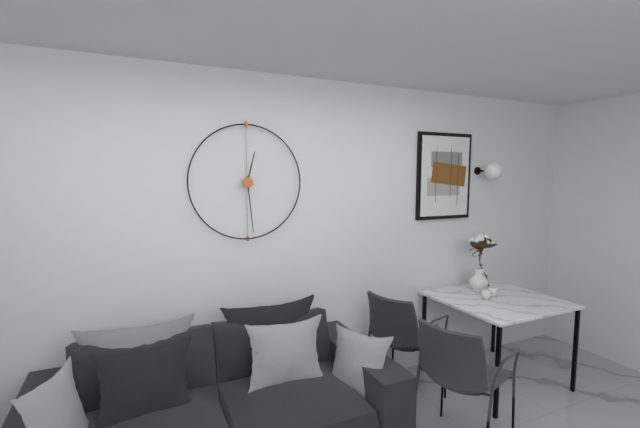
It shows 12.29
